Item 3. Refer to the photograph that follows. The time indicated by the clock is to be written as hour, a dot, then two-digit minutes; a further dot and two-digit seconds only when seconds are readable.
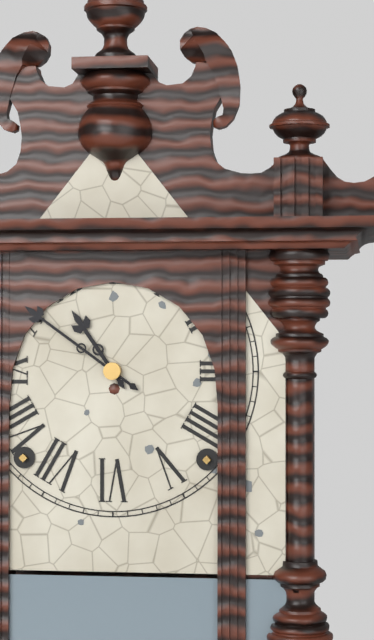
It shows 10.51
